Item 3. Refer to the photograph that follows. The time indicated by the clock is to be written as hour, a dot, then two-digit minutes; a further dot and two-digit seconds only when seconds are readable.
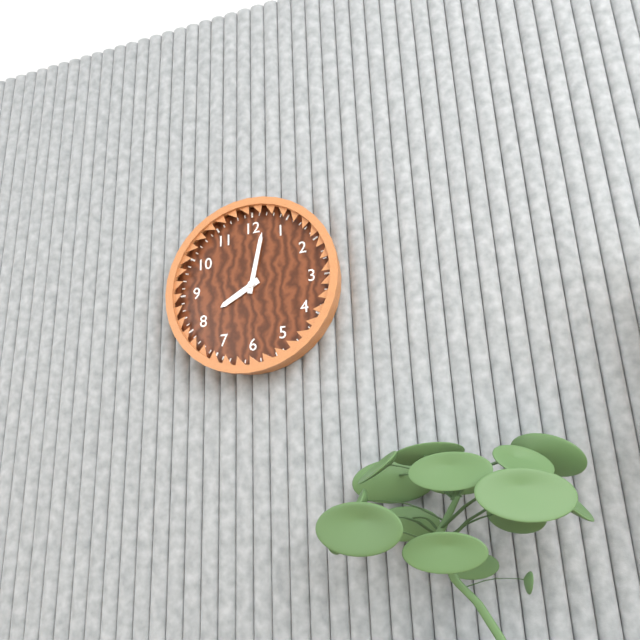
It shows 8.02
